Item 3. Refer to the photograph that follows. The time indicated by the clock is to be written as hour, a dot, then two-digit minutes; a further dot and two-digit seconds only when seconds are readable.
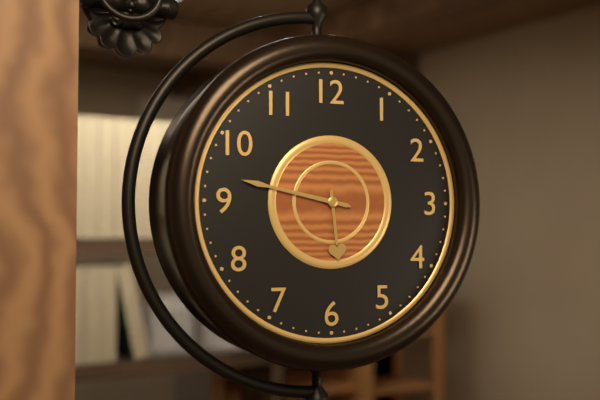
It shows 5.47
